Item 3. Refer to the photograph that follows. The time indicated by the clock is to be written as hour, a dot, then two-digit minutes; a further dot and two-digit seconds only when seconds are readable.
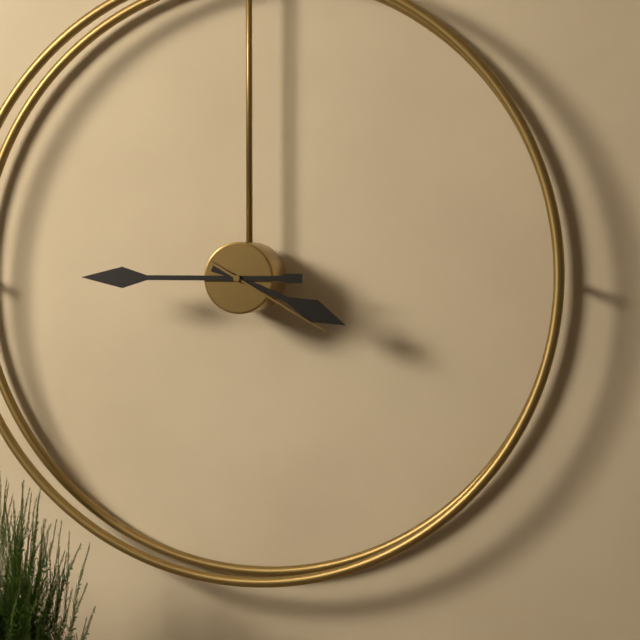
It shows 3.45.20
